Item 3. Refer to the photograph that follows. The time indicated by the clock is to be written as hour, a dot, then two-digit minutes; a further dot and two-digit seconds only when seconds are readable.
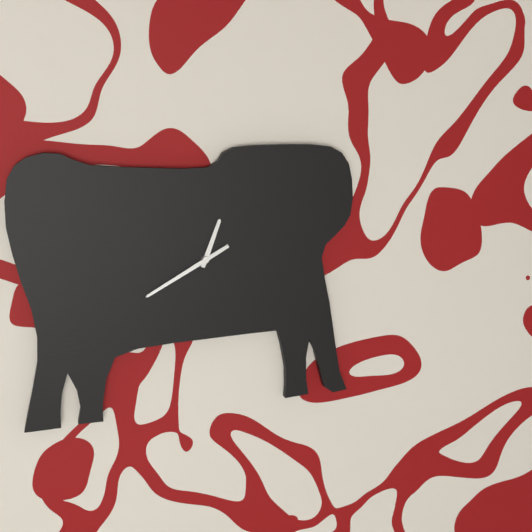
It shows 12.40
